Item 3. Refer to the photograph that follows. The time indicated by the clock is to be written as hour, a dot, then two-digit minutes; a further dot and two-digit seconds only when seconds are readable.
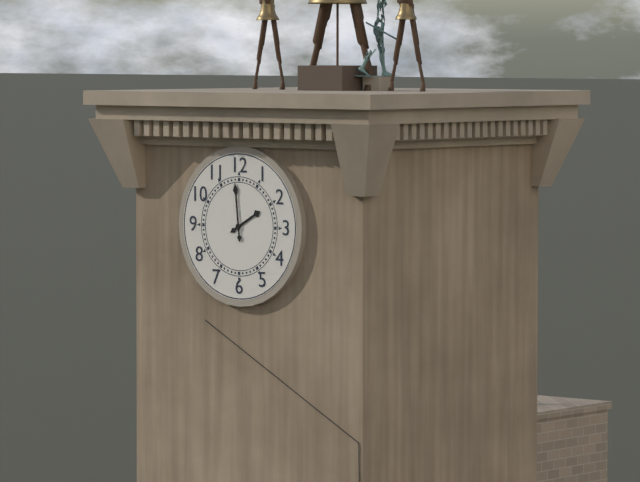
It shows 1.59
